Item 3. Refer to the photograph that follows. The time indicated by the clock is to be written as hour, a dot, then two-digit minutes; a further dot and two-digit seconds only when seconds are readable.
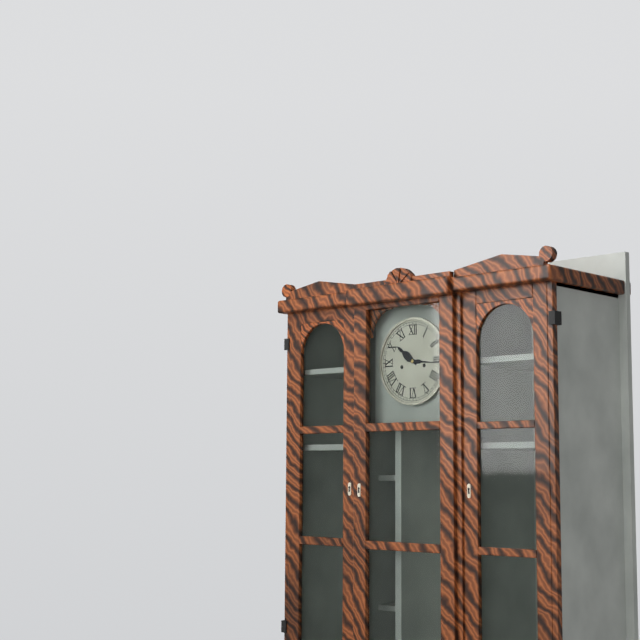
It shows 10.16
